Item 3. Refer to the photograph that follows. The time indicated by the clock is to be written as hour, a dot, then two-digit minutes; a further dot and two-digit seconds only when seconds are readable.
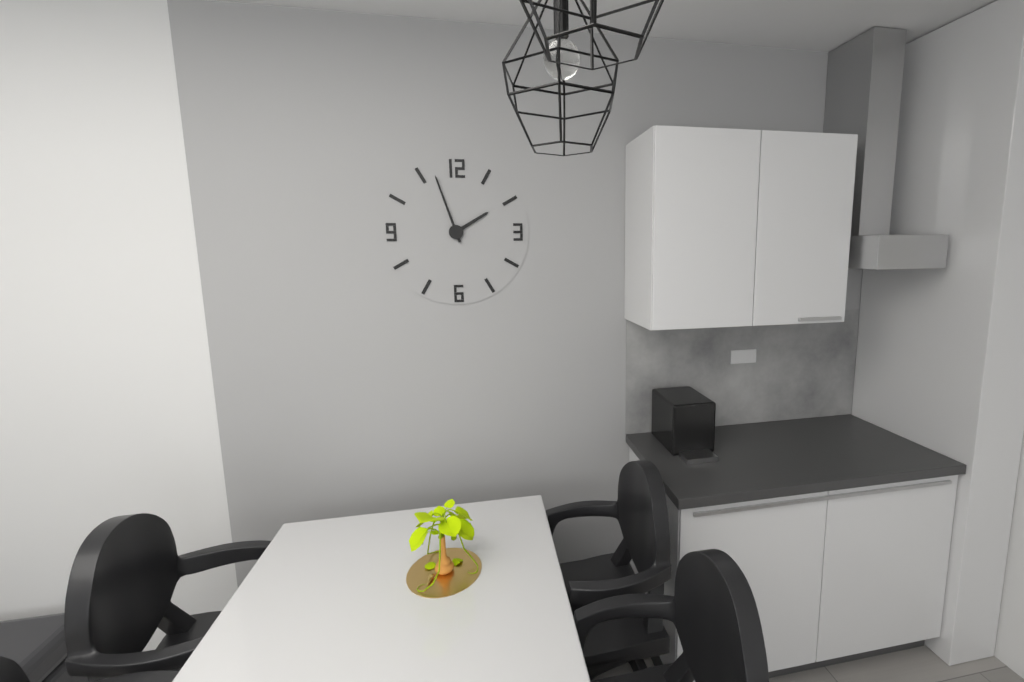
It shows 1.57
